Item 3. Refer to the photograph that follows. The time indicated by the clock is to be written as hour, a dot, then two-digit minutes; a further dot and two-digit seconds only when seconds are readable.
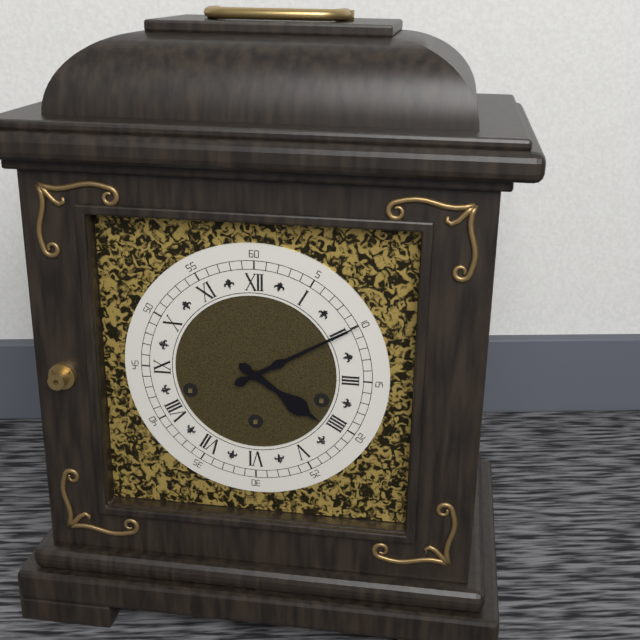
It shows 4.10
